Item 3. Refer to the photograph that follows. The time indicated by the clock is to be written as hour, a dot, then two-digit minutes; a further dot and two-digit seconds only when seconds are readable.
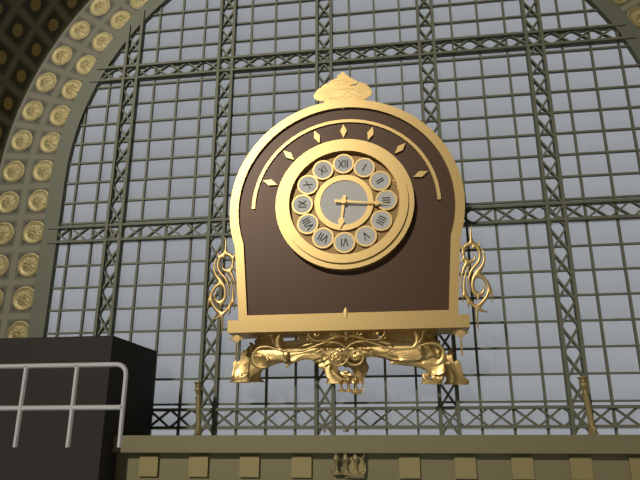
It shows 6.16
